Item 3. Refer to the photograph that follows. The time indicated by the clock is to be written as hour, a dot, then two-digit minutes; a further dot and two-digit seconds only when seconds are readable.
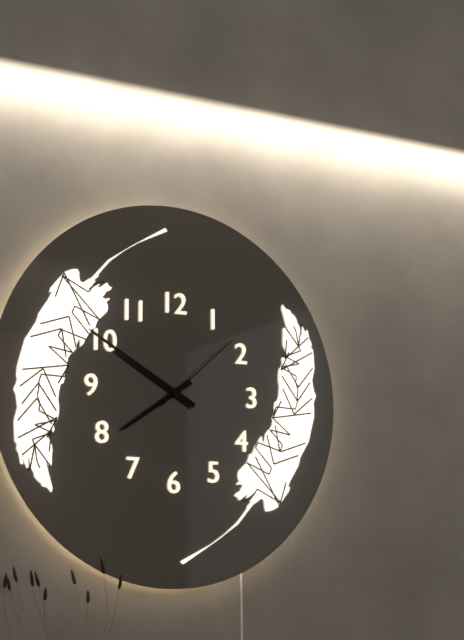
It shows 7.50.08
